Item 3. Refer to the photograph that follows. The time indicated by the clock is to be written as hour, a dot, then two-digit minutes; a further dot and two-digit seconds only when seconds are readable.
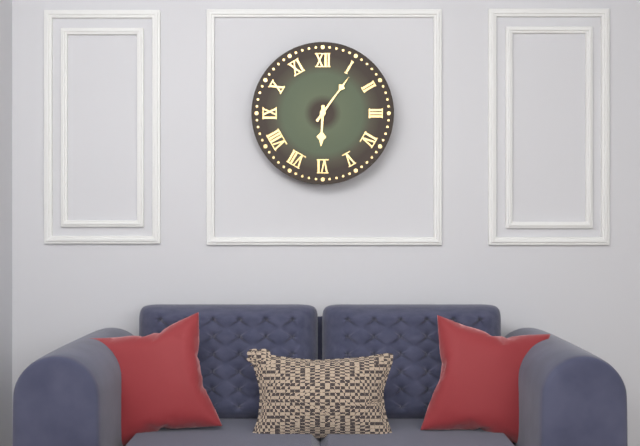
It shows 6.06
